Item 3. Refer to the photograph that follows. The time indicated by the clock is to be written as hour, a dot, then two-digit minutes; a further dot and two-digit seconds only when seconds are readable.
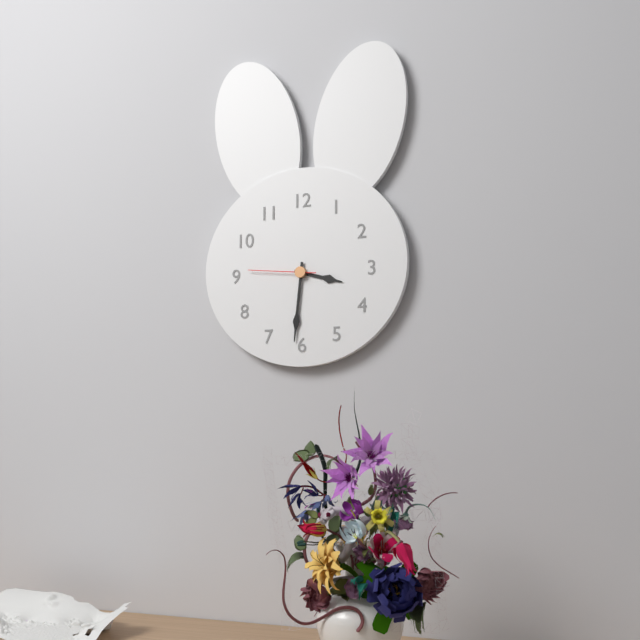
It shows 3.31.46
